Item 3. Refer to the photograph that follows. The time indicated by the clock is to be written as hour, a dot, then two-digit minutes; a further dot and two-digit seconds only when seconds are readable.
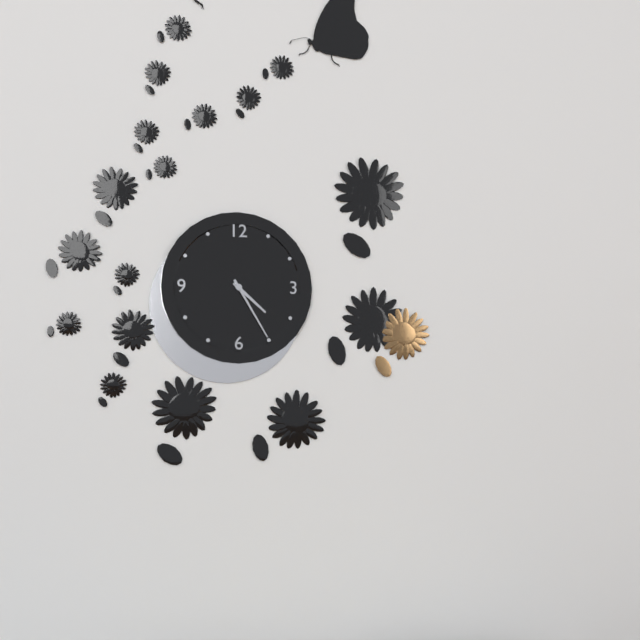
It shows 4.25
